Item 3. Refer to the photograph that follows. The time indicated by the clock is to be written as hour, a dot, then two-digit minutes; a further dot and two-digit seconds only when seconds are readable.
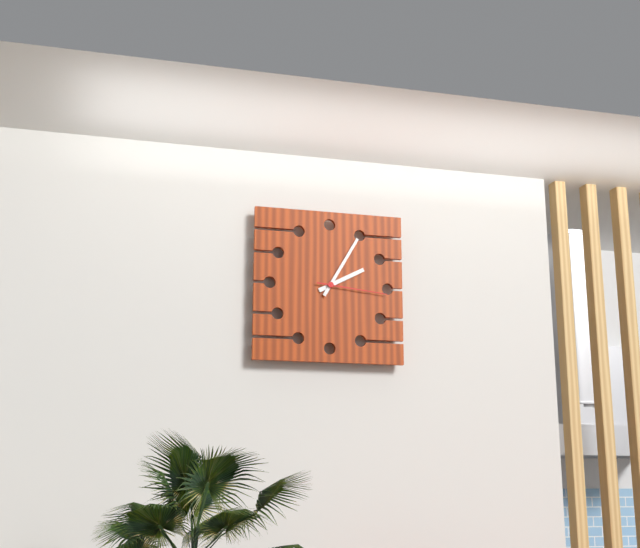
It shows 2.05.16
